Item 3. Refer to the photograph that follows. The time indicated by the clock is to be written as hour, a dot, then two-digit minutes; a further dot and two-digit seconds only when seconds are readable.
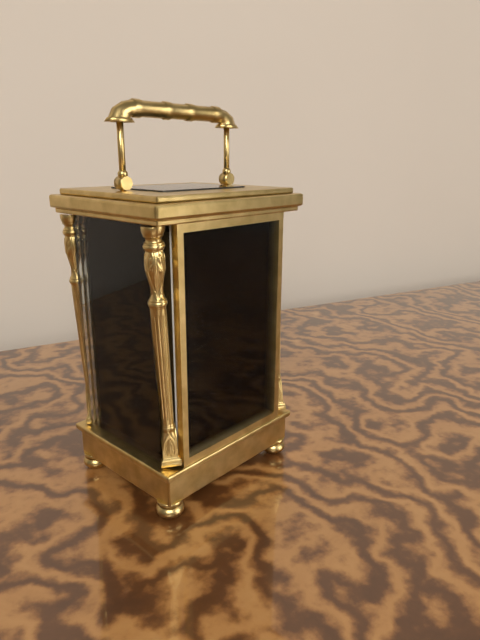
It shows 12.32
